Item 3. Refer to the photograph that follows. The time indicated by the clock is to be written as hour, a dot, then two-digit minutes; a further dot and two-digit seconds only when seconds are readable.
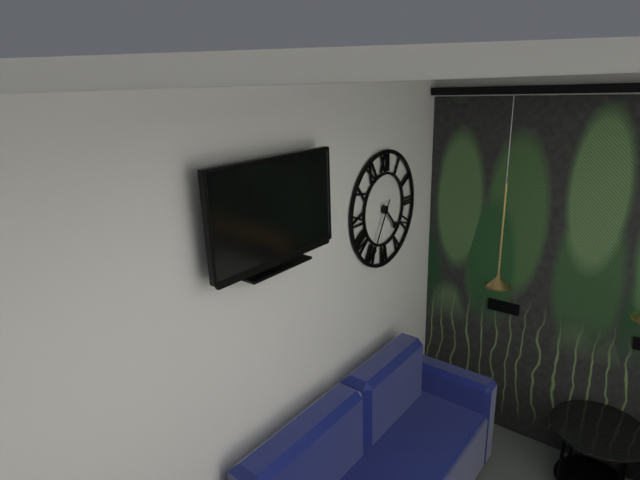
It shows 4.35
